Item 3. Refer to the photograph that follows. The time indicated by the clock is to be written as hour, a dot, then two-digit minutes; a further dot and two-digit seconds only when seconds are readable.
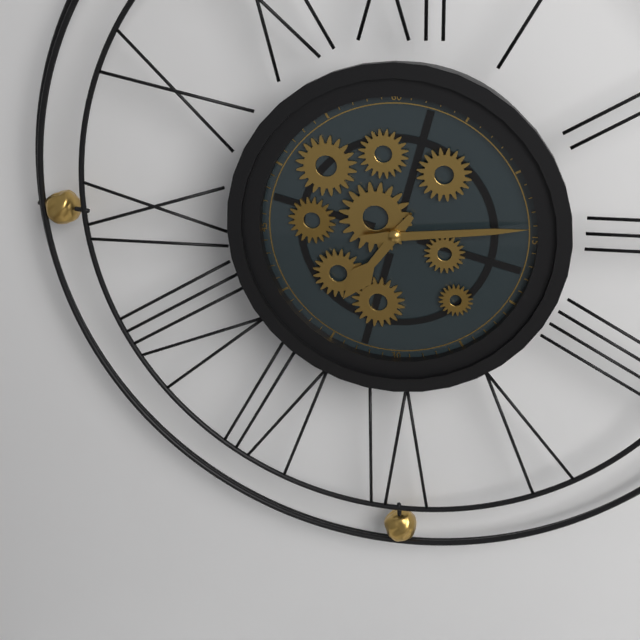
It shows 7.14
